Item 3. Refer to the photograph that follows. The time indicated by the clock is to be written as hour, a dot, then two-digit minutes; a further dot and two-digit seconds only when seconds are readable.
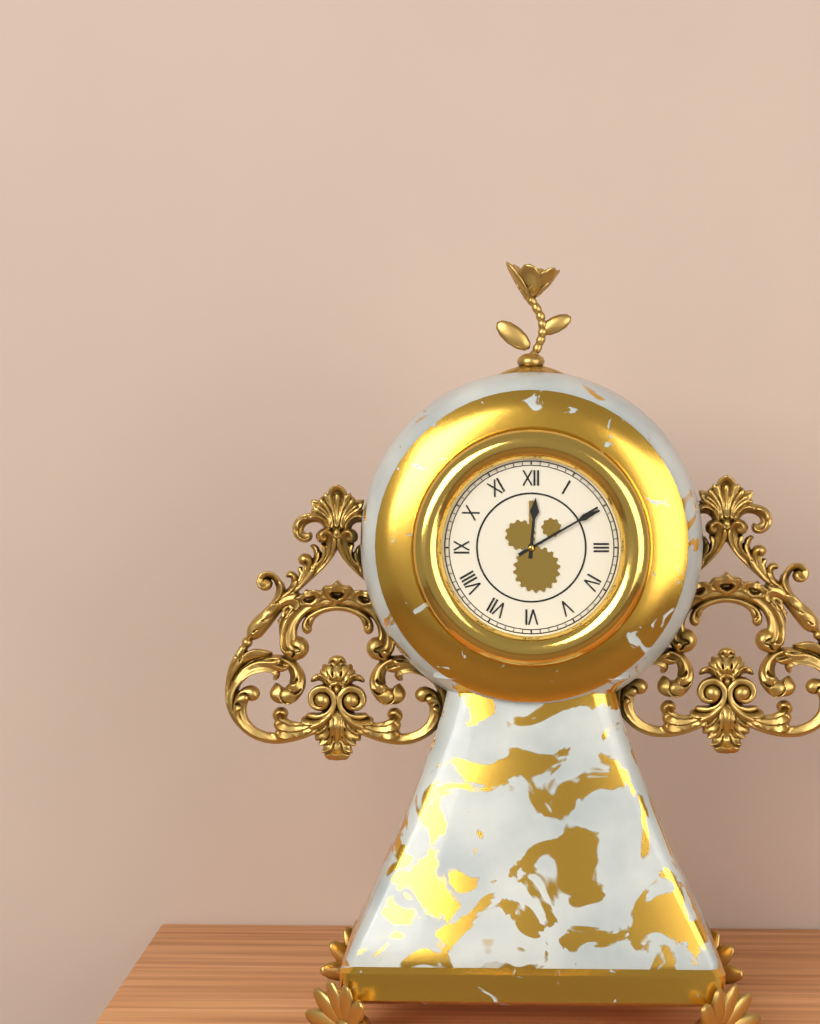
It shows 12.10
